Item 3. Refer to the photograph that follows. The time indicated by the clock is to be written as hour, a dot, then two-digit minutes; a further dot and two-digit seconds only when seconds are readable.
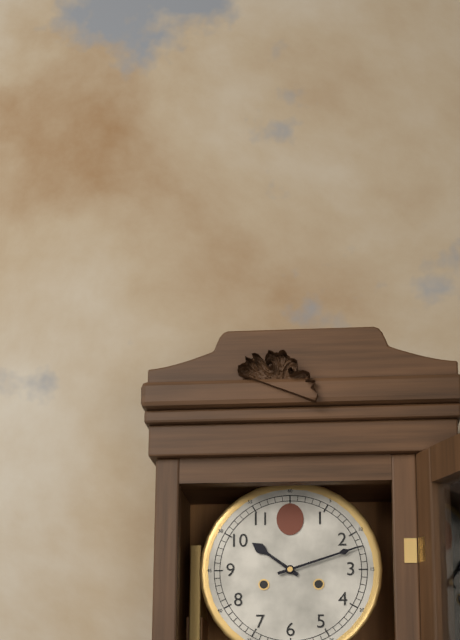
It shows 10.12
